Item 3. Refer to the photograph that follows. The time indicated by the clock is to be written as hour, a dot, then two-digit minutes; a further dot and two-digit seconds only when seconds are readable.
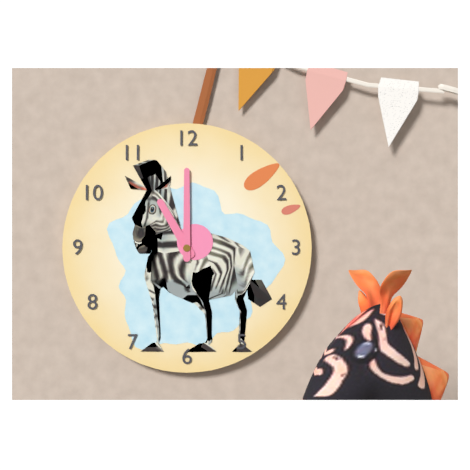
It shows 11.00
